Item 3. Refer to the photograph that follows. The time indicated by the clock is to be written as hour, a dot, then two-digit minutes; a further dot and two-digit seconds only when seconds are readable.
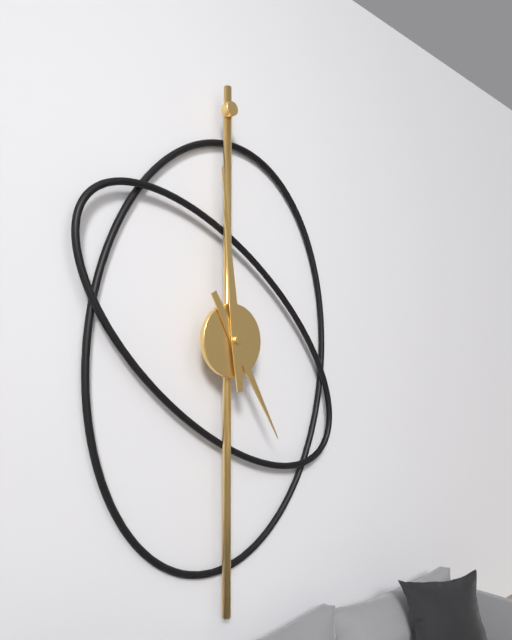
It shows 4.59
